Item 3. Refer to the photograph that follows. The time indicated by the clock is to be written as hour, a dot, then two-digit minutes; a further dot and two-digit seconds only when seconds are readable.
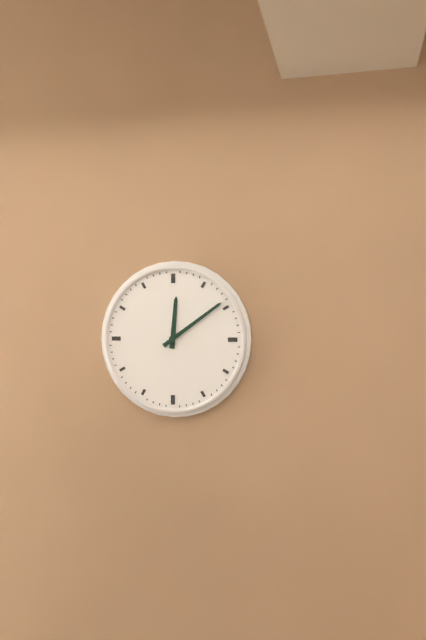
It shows 12.09
